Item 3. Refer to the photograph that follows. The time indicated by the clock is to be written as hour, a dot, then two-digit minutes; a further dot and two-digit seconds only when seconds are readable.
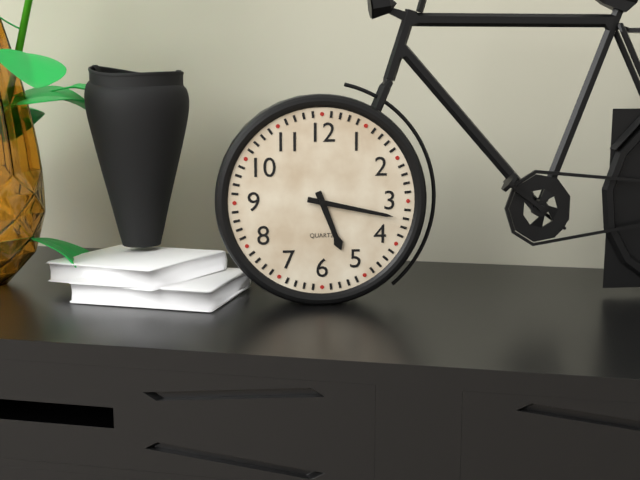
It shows 5.17
